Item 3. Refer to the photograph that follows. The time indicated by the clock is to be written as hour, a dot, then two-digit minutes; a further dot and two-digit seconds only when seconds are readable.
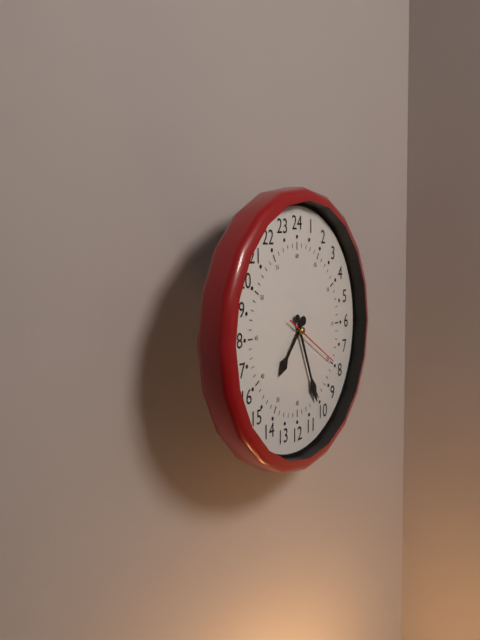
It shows 7.26.20
